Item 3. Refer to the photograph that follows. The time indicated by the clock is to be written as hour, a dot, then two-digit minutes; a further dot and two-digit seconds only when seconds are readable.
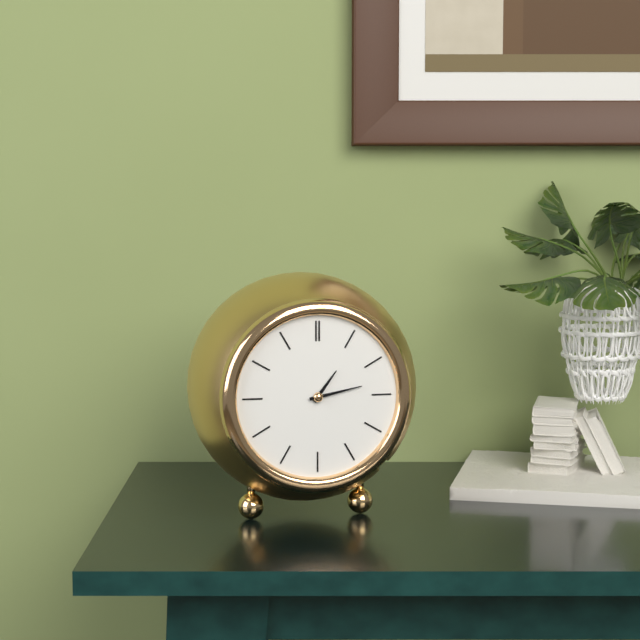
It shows 1.13
